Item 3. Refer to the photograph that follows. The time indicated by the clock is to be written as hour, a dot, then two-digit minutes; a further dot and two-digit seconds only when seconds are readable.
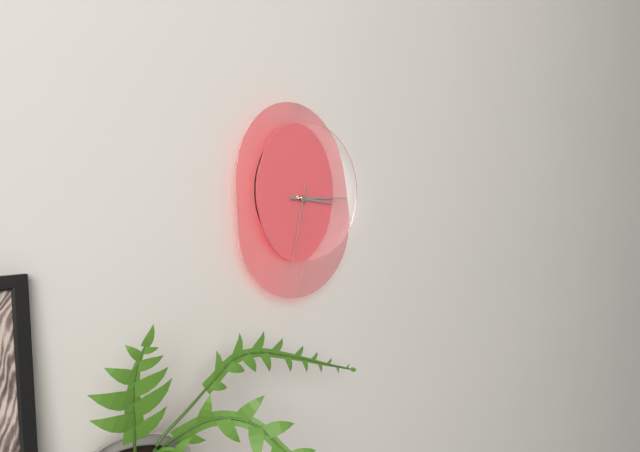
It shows 3.15.32
